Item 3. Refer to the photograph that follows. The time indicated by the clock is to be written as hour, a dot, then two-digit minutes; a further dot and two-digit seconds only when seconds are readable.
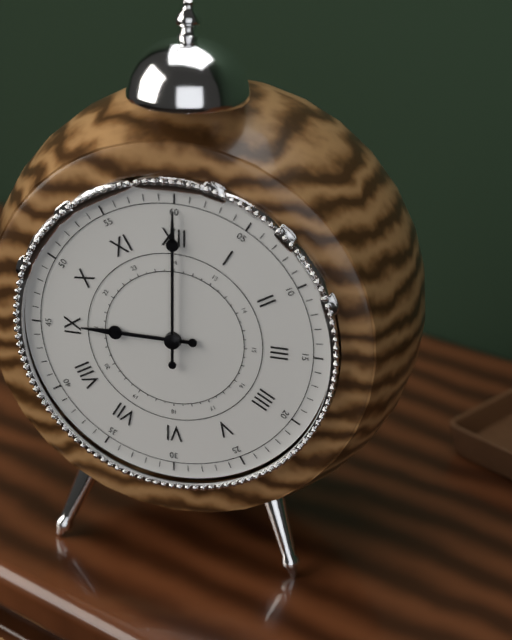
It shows 9.00
